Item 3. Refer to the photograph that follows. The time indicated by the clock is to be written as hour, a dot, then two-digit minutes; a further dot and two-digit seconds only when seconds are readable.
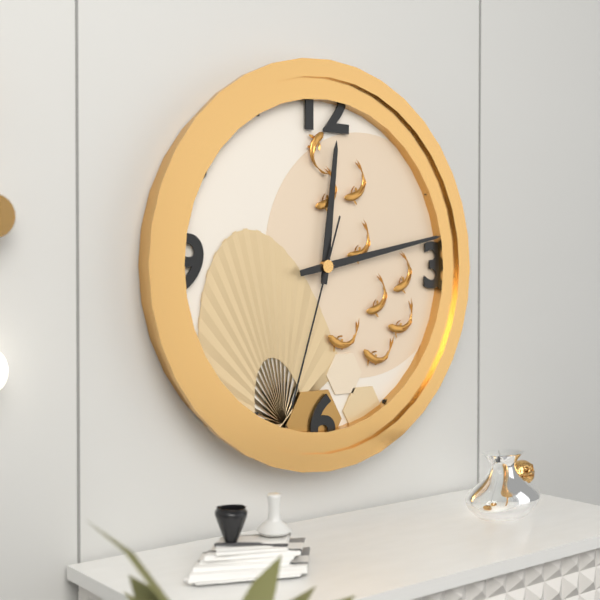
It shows 12.13.33
